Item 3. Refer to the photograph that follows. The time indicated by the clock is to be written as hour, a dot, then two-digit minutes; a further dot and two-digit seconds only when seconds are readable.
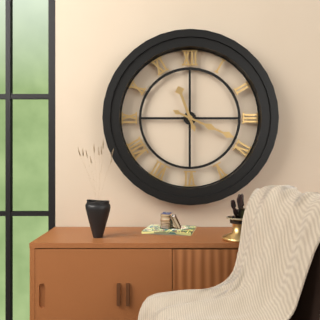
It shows 11.19
